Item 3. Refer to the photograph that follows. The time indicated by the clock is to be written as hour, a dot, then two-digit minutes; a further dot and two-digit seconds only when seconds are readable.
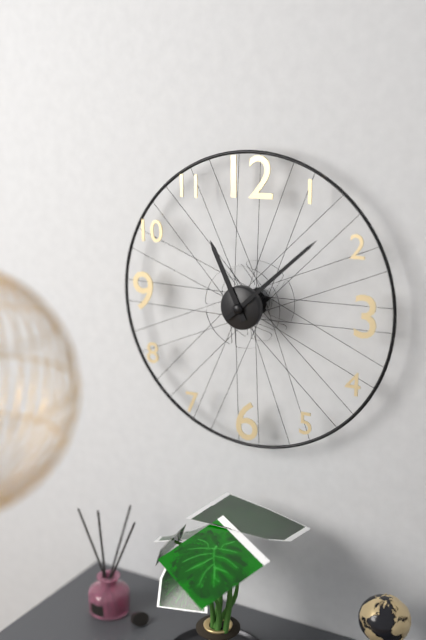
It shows 11.08
